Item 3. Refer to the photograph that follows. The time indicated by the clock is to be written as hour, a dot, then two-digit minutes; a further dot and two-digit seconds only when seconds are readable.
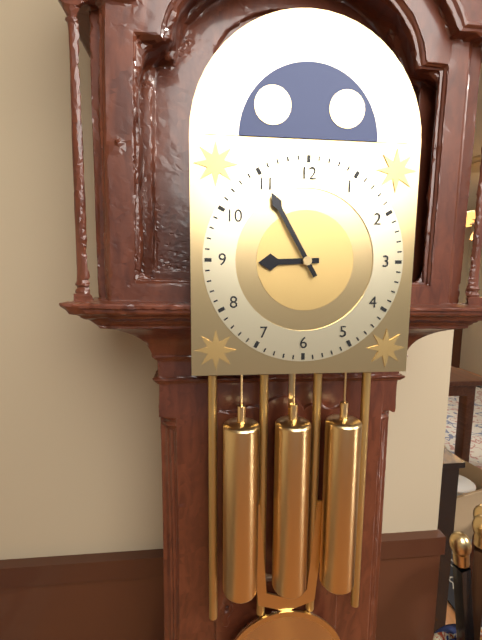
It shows 8.55
